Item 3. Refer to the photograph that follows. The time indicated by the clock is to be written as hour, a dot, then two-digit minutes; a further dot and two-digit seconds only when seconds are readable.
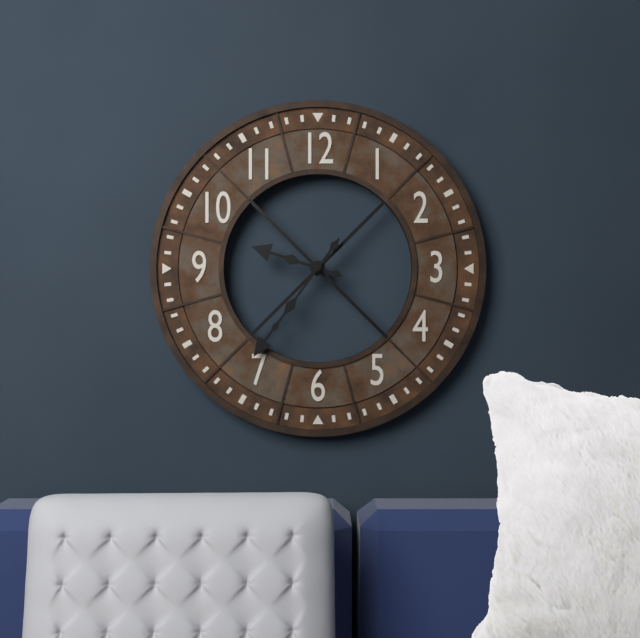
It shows 9.36
